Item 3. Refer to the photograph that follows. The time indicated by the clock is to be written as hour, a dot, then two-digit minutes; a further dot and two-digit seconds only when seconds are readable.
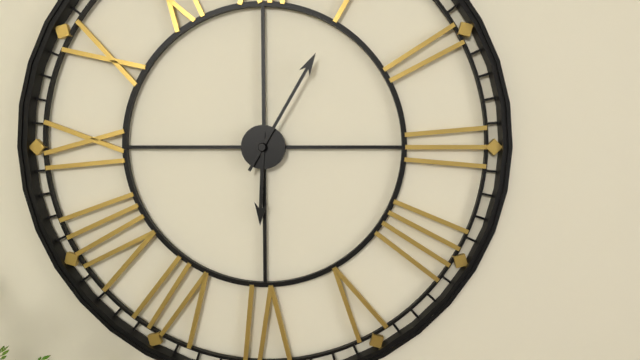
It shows 6.05
